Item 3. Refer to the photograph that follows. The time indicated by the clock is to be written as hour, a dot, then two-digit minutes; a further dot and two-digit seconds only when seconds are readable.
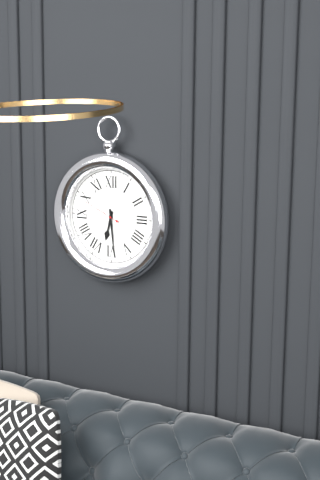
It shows 6.29
